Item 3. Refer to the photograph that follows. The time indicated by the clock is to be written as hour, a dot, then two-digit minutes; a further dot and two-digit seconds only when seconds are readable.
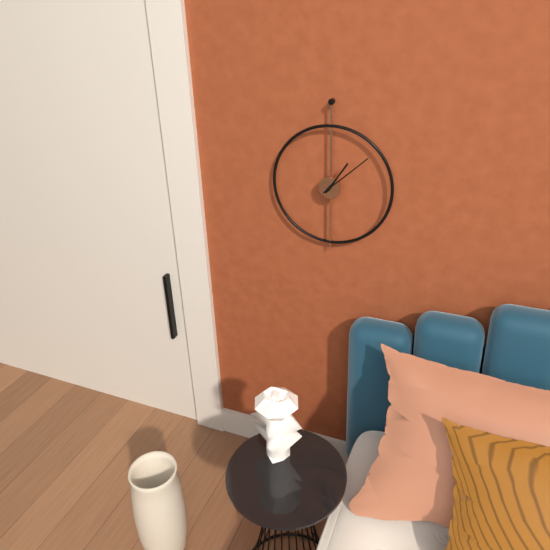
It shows 1.08
